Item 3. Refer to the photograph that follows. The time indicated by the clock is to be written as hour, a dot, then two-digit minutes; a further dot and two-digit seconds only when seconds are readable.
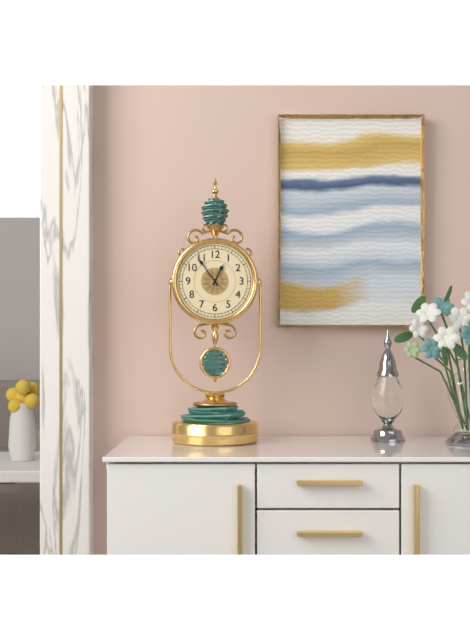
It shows 12.54
